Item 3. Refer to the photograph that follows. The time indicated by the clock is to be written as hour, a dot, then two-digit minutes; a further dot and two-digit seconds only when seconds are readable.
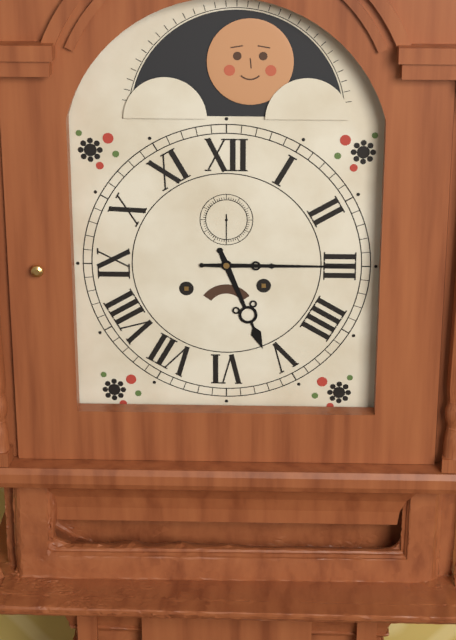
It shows 5.15
